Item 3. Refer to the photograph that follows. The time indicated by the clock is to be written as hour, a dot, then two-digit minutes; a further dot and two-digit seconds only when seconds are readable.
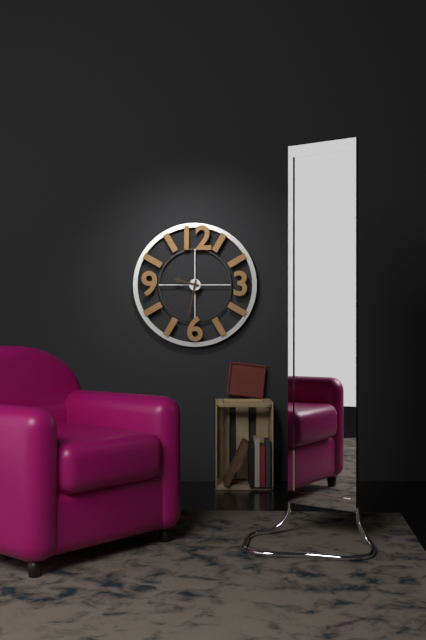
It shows 9.32
